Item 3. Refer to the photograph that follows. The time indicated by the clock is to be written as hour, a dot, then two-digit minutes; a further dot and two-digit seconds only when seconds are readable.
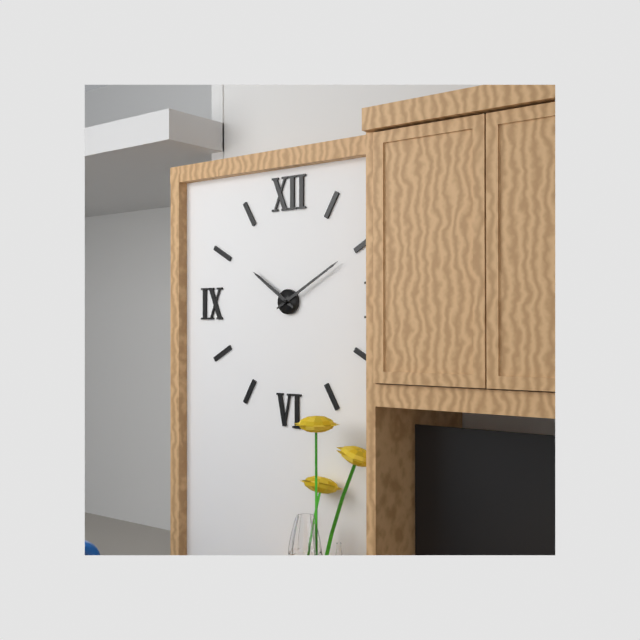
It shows 10.10
